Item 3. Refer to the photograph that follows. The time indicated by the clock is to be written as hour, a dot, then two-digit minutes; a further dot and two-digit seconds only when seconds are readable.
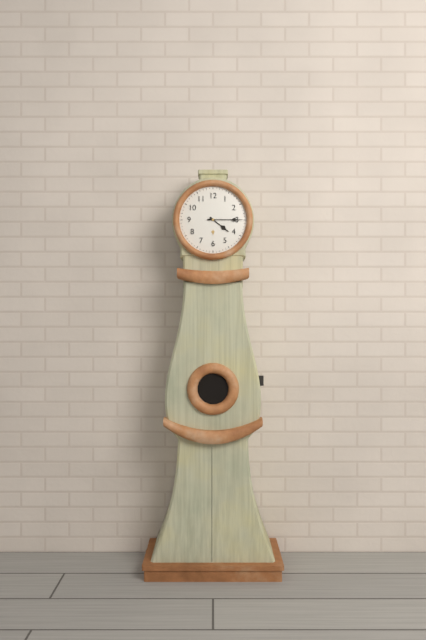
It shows 4.15
